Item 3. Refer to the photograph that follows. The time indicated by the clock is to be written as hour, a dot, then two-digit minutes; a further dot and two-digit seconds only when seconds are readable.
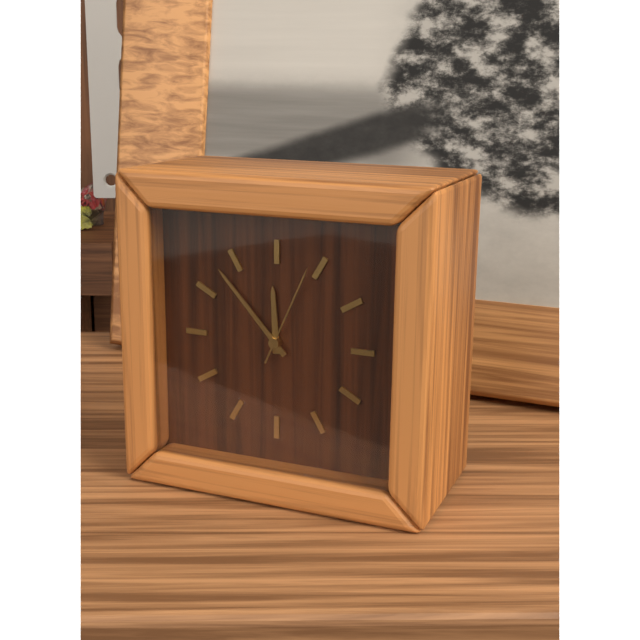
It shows 11.53.04
